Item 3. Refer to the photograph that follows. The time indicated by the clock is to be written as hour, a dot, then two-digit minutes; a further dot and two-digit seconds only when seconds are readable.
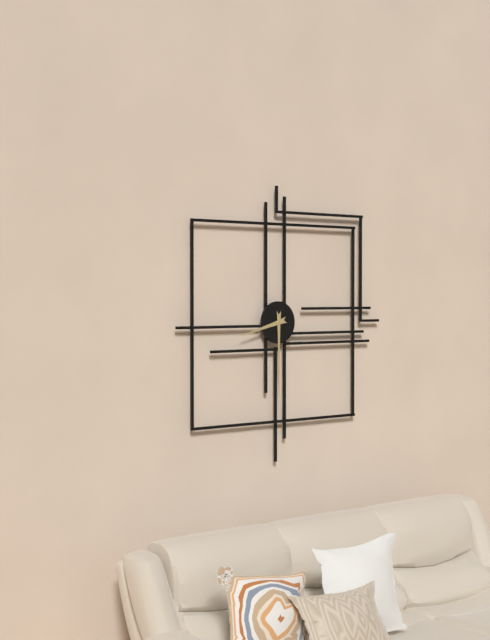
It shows 8.30
